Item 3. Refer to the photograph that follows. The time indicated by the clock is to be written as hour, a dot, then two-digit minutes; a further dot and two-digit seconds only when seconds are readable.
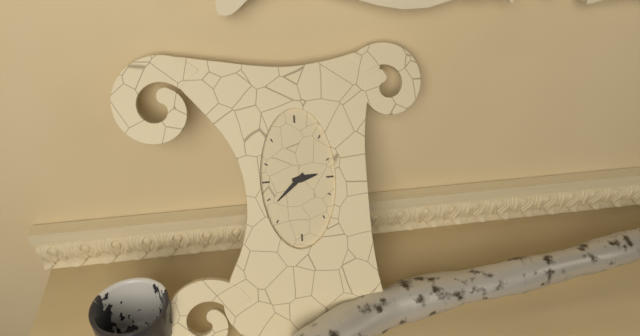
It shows 2.38
